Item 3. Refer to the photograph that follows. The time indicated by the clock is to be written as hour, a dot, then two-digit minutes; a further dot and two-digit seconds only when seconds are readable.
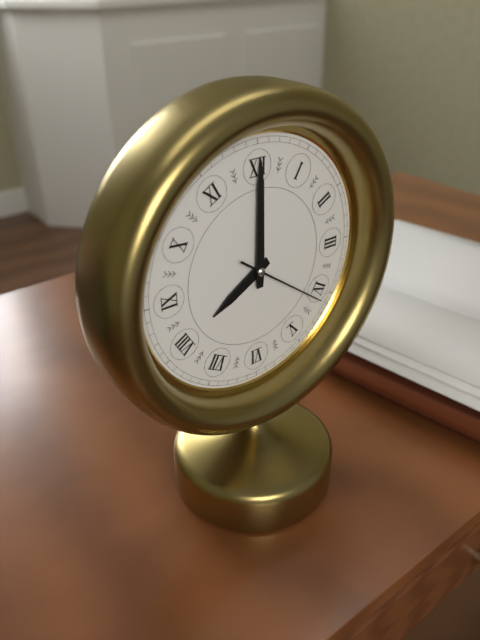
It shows 8.00.21
